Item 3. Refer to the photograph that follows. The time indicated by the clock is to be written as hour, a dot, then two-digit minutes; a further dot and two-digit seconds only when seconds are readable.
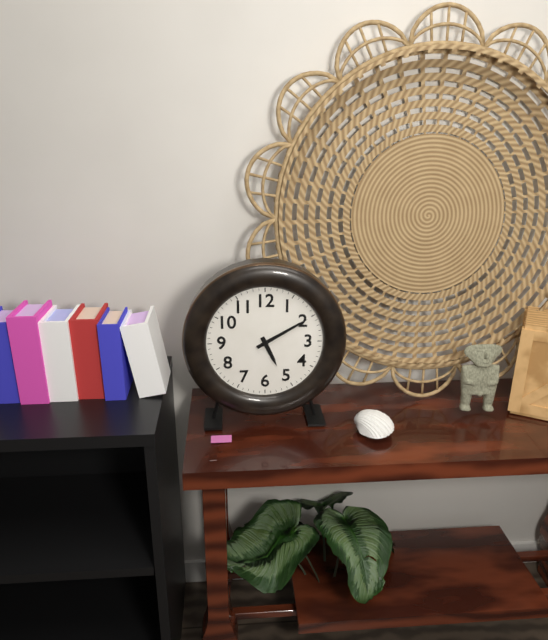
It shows 5.10
